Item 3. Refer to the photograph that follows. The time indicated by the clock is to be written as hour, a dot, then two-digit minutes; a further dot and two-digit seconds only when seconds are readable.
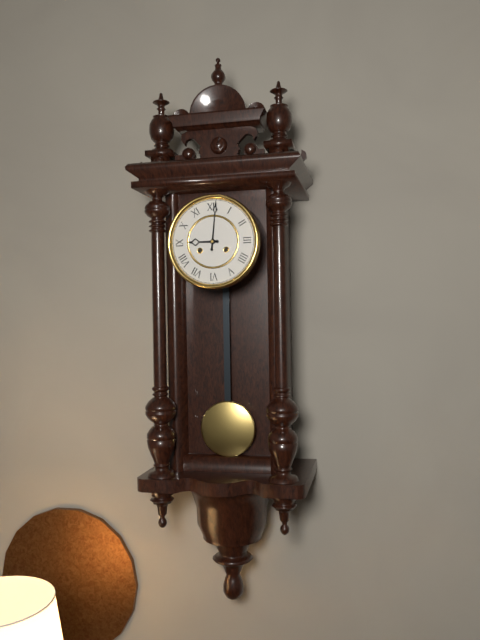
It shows 9.01
